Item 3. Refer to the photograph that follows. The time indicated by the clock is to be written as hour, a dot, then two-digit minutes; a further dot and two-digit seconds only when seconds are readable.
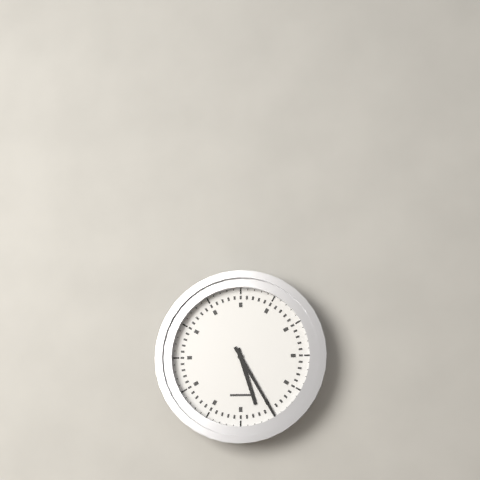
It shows 5.25
